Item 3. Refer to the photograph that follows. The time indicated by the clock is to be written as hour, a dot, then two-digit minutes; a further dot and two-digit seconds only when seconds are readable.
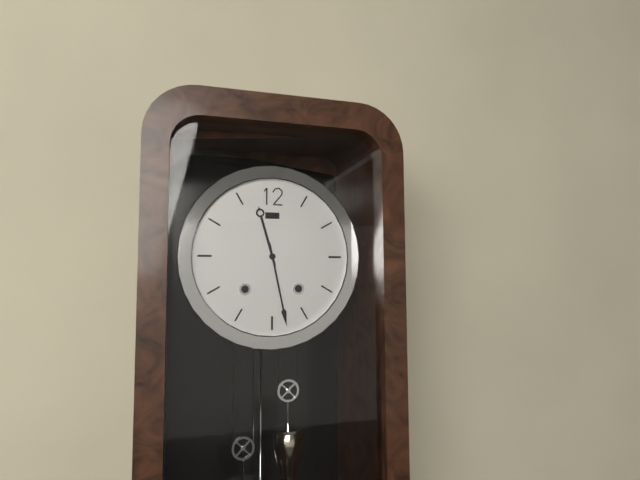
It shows 11.28
